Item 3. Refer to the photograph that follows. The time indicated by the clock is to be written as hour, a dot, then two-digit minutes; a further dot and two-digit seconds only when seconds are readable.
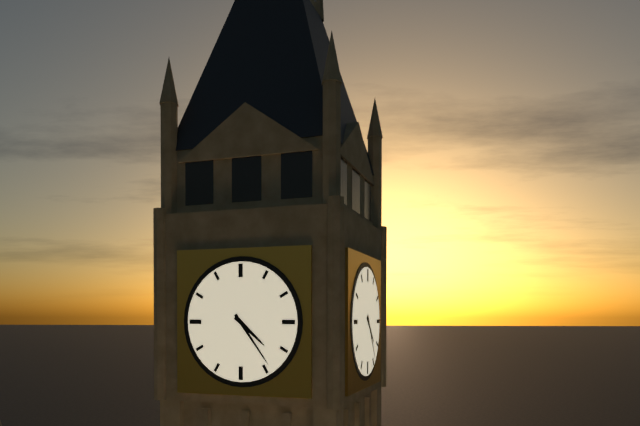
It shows 4.24
